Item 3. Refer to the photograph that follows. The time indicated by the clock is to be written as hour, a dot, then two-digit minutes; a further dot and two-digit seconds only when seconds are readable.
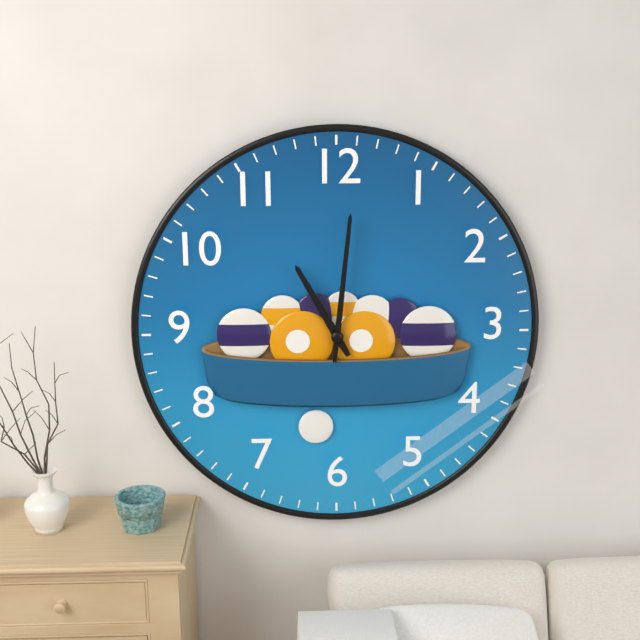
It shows 11.01
